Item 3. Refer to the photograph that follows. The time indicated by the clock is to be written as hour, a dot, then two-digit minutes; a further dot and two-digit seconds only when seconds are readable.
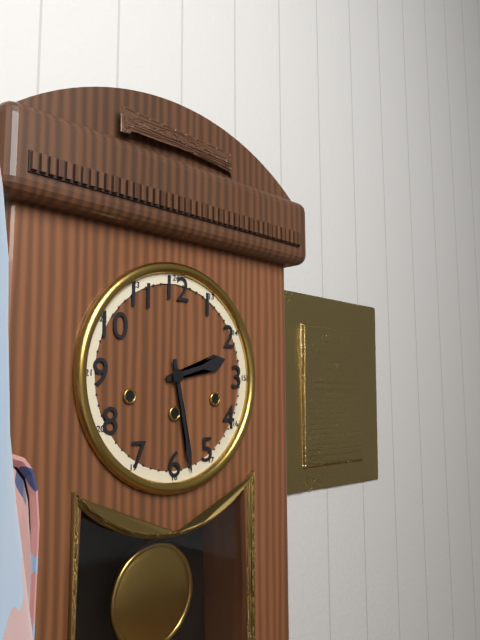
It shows 2.28
